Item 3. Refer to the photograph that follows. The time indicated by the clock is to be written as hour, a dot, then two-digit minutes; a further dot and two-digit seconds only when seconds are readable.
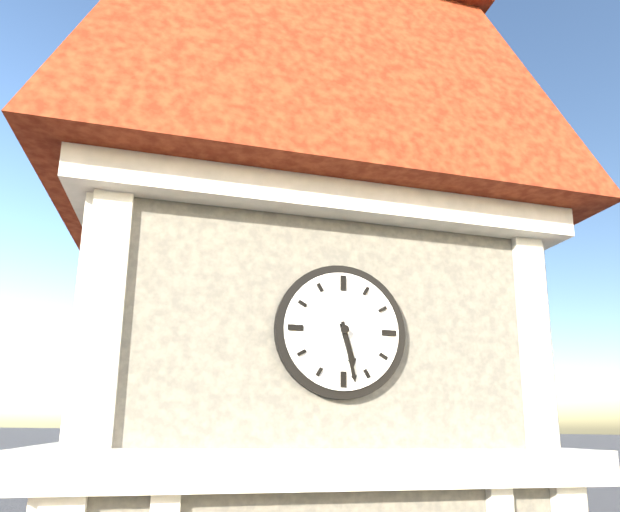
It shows 5.28
